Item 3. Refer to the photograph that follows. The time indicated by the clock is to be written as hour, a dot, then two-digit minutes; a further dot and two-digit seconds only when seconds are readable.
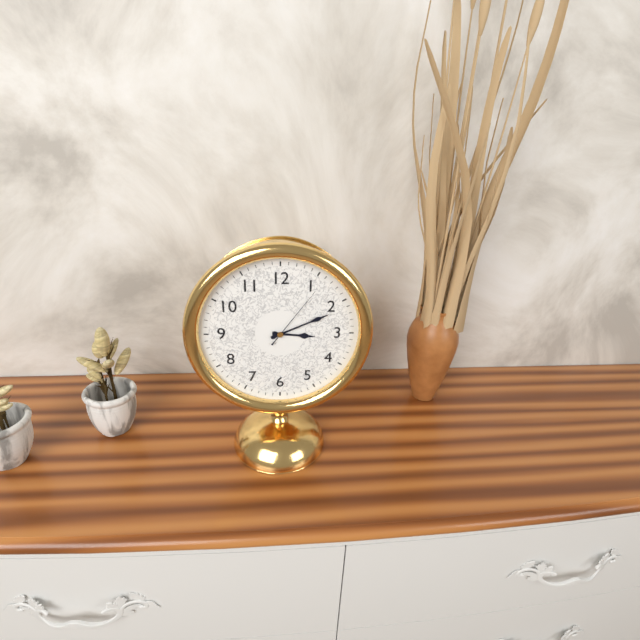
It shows 3.11.06
